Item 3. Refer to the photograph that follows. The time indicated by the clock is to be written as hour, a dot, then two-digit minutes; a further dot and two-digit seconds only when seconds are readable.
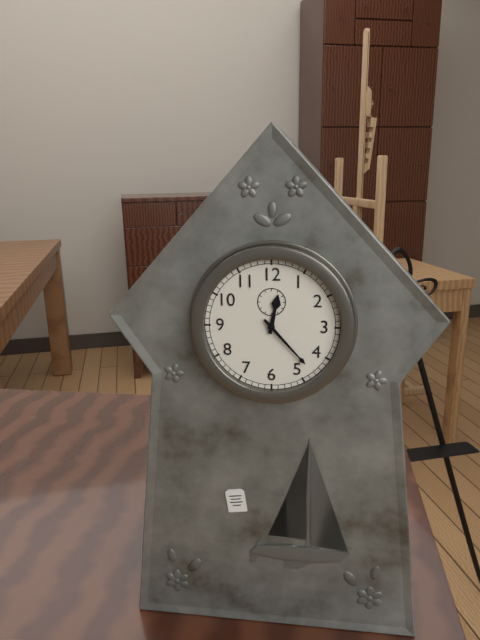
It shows 12.23
